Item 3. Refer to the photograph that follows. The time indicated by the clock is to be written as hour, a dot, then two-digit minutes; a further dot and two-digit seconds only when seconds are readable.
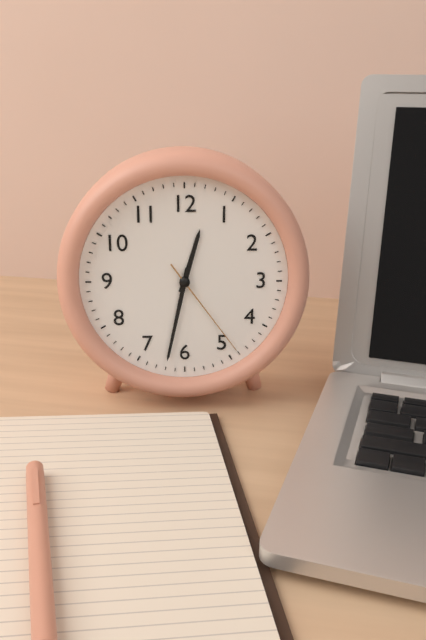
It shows 12.32.24
